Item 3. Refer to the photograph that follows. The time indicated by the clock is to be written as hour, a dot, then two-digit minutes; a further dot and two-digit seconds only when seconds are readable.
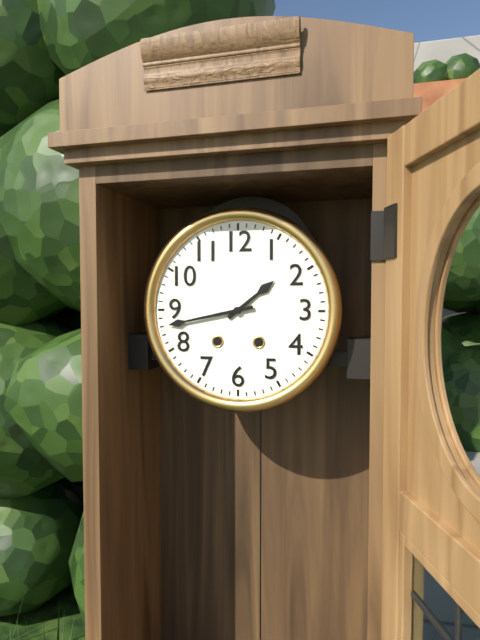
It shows 1.43
